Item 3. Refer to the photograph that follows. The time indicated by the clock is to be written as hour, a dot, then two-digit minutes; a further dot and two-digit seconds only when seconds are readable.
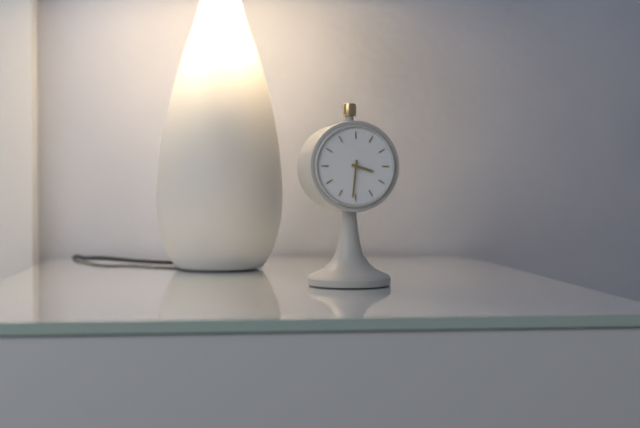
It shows 3.31
